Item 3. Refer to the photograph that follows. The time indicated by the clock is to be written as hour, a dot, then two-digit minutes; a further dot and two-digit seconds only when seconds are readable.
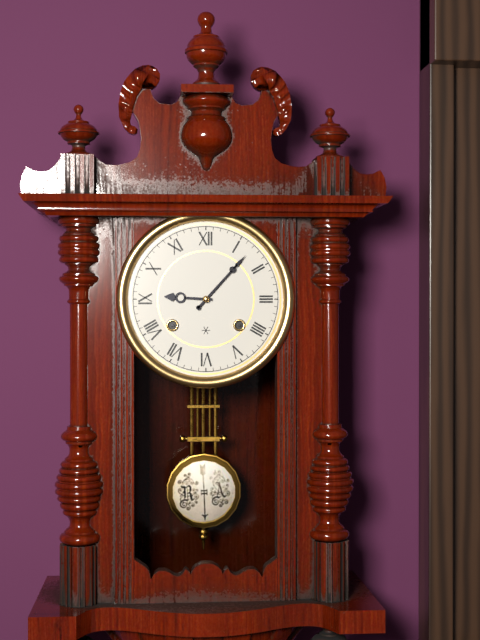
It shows 9.07
